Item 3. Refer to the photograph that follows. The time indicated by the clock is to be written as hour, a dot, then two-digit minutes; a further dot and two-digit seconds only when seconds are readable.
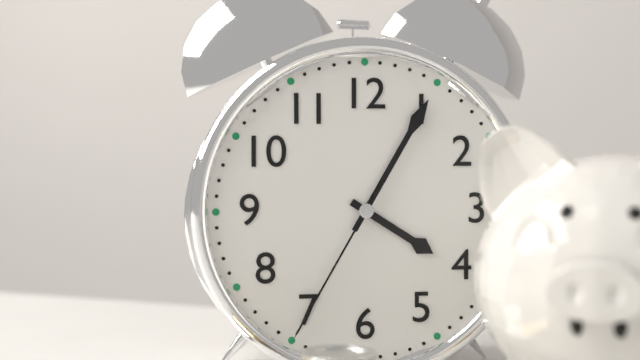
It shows 4.05.35
